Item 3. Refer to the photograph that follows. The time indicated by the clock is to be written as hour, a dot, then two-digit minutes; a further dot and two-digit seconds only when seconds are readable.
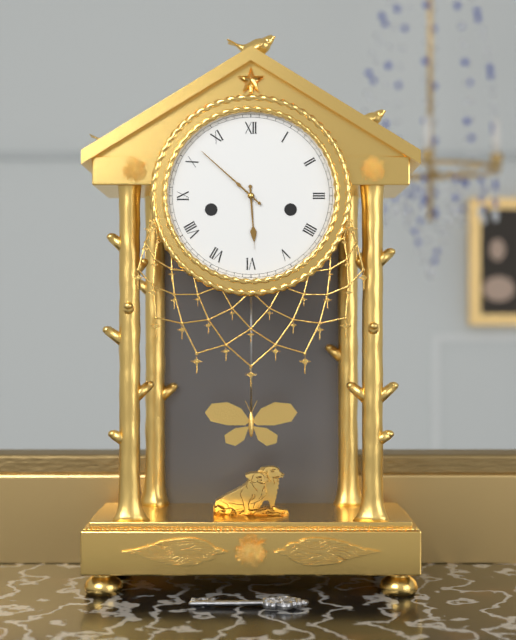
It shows 5.52
